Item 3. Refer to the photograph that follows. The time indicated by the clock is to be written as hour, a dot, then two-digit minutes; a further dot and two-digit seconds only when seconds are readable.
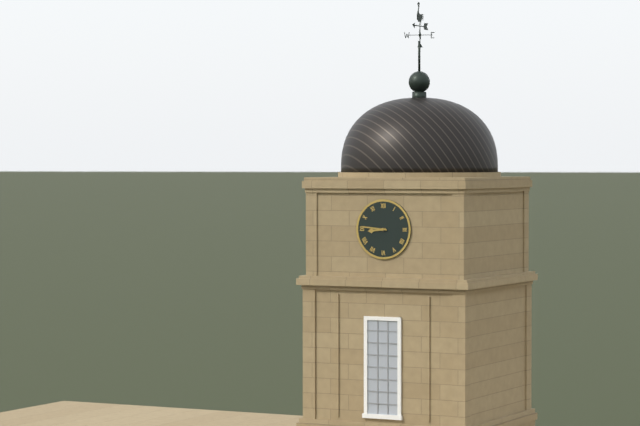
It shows 8.46
